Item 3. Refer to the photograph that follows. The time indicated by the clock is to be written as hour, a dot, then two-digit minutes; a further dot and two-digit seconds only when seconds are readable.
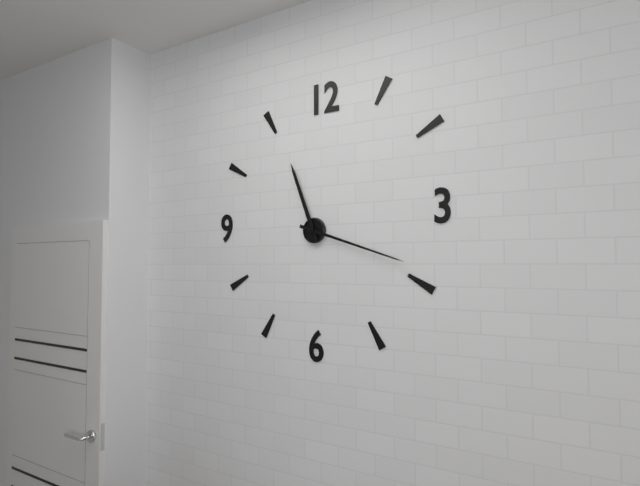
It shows 11.18
